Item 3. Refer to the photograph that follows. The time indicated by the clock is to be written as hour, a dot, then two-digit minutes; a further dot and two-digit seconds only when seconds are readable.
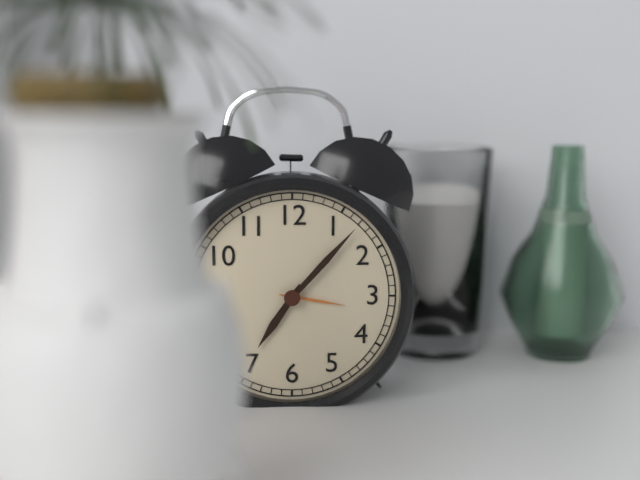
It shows 7.07
